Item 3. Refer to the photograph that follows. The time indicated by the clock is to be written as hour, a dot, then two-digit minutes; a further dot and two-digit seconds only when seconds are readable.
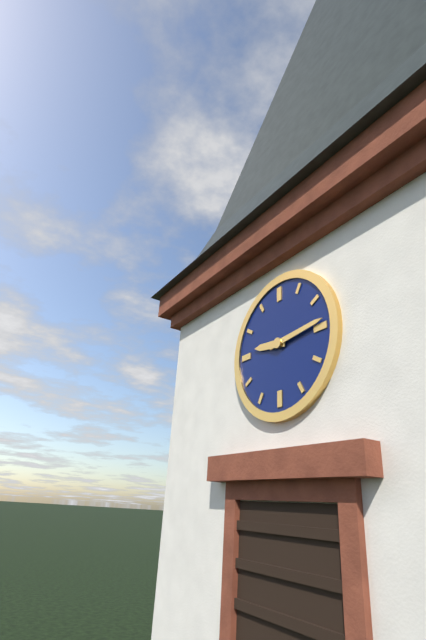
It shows 9.14
